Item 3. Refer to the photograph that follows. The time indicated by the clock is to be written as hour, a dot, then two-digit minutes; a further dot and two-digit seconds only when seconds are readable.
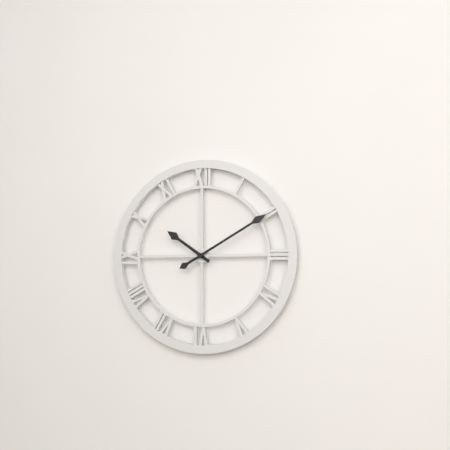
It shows 10.10
